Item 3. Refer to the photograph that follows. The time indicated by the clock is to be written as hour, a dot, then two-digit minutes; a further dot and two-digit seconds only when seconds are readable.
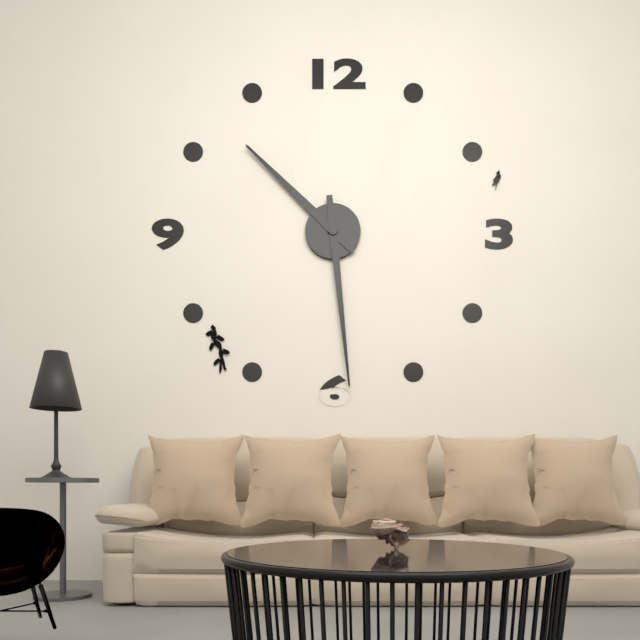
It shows 10.29
